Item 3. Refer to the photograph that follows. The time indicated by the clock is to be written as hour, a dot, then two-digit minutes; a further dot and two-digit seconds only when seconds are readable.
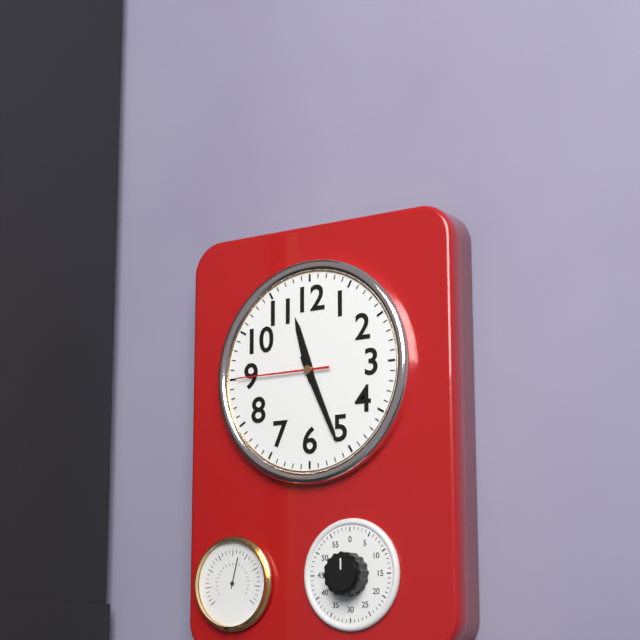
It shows 11.26.45
